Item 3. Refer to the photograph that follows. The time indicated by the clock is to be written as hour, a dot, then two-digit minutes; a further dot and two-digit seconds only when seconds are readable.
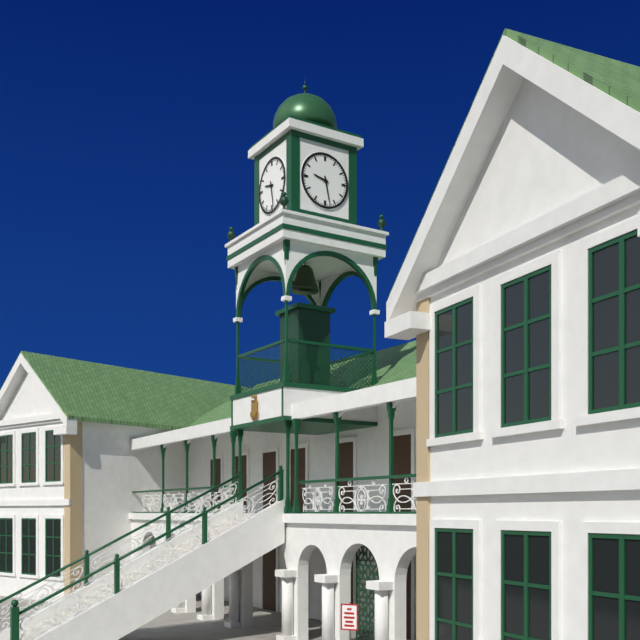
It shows 9.28
